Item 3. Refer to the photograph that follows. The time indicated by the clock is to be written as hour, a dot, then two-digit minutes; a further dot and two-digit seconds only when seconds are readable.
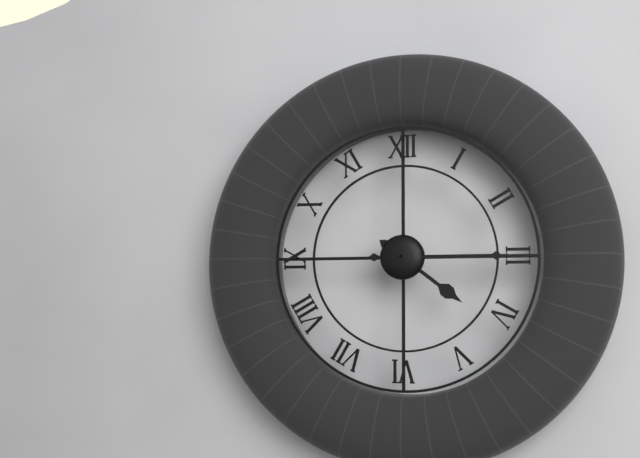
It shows 4.15
